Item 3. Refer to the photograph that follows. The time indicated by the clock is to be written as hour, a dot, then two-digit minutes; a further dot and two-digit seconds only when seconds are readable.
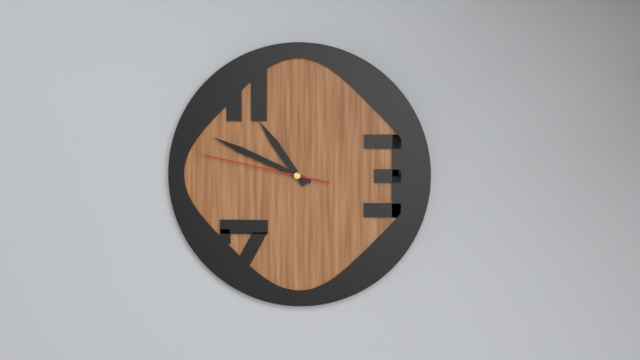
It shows 10.49.47
